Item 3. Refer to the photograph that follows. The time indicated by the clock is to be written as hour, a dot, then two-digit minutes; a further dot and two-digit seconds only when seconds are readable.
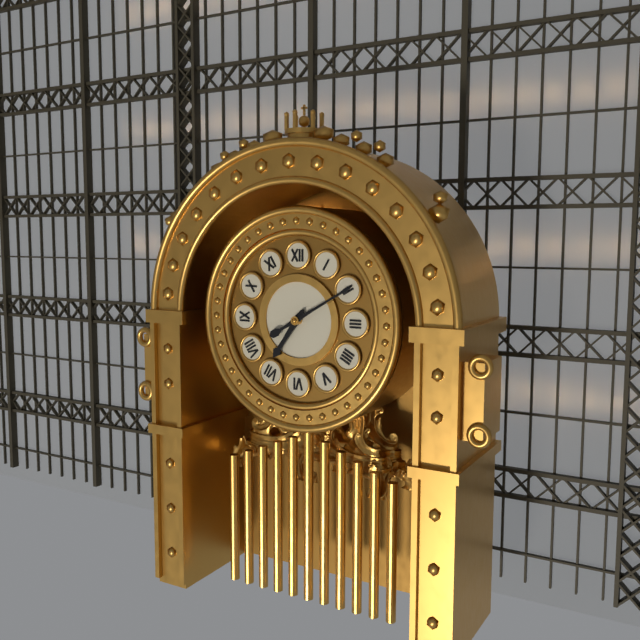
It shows 7.10
